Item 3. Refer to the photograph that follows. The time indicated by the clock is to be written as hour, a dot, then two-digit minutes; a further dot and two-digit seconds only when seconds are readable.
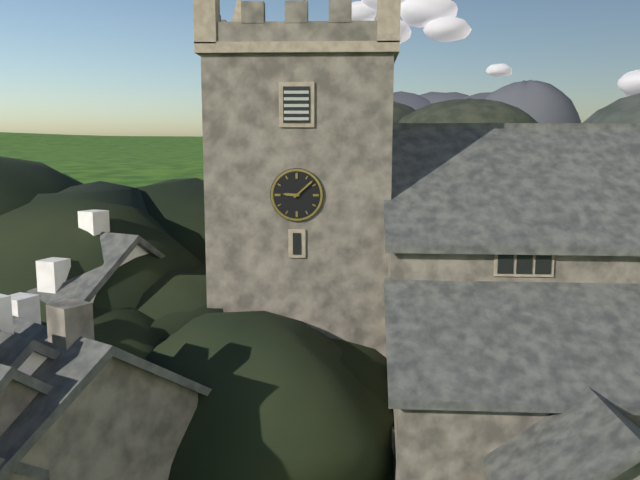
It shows 9.08
